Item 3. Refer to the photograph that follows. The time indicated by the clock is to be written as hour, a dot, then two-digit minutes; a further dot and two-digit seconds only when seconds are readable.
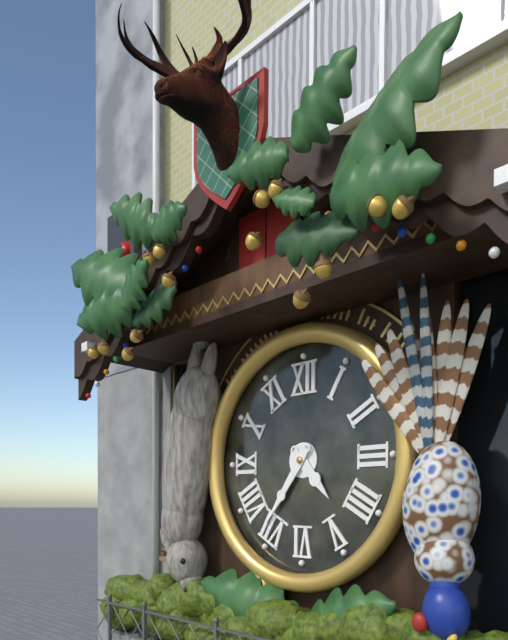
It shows 4.36
